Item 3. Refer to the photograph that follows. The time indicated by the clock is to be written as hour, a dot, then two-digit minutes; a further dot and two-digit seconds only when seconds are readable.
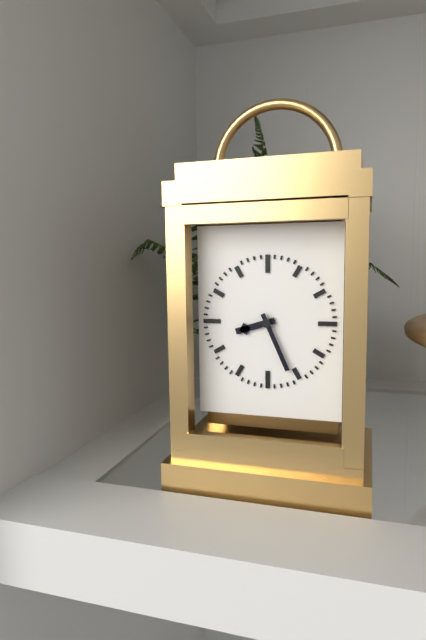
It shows 8.26
